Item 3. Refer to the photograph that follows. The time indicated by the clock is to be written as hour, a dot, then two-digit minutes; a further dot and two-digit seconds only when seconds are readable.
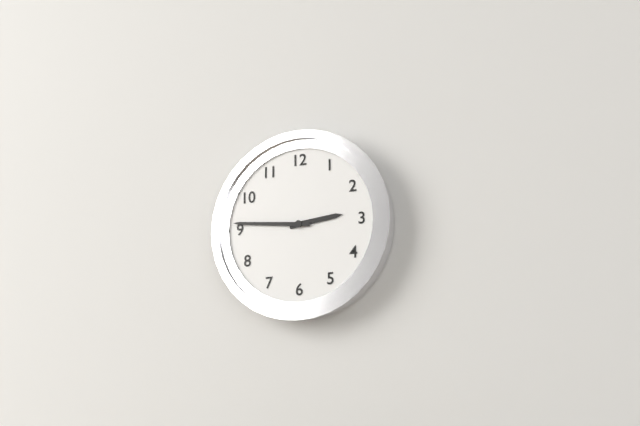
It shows 2.46
